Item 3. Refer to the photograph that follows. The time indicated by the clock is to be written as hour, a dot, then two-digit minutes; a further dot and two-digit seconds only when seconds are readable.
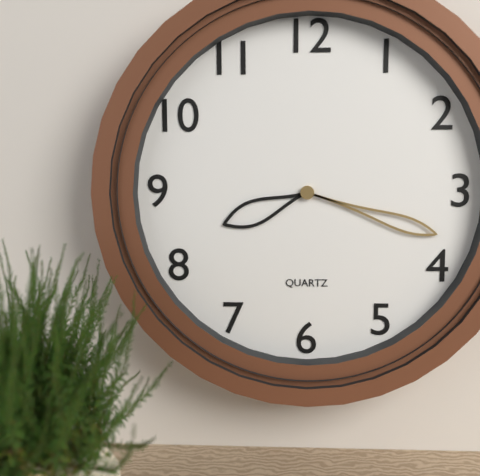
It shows 8.18
